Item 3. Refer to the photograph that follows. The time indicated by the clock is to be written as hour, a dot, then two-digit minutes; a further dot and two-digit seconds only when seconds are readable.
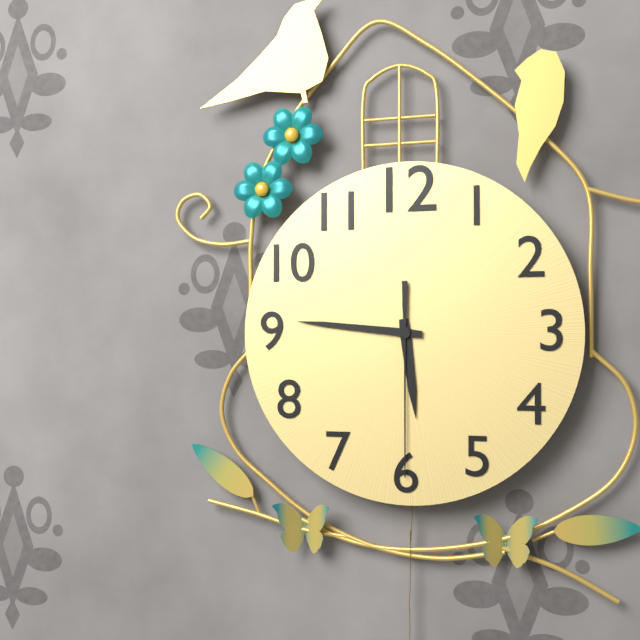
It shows 5.46.30
